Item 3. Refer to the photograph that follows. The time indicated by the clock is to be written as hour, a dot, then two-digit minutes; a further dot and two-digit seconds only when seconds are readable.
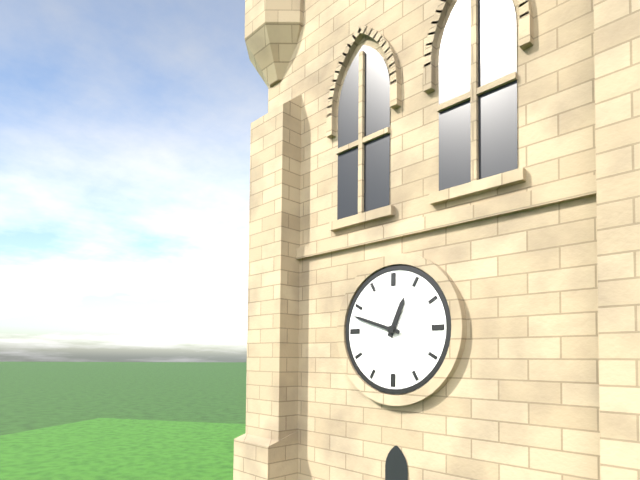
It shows 12.48
